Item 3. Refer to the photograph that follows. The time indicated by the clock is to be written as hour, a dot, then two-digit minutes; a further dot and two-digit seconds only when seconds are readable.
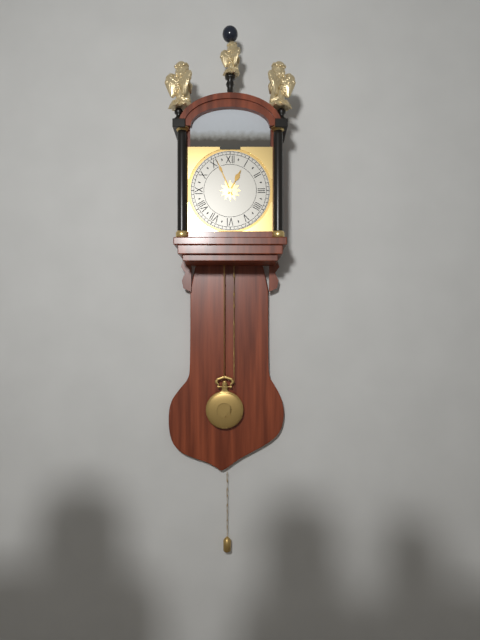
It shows 12.56
